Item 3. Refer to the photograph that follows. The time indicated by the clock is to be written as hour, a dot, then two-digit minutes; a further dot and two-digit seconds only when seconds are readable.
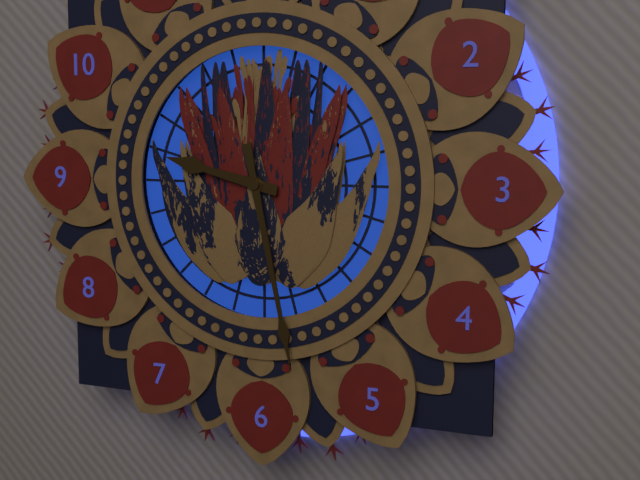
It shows 9.28
